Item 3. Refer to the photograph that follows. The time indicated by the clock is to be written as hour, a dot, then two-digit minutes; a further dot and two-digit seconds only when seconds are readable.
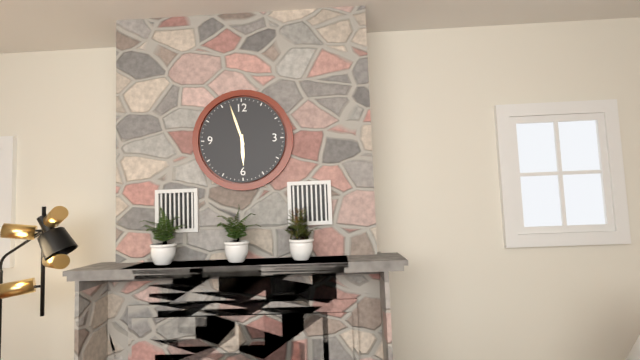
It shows 5.57
